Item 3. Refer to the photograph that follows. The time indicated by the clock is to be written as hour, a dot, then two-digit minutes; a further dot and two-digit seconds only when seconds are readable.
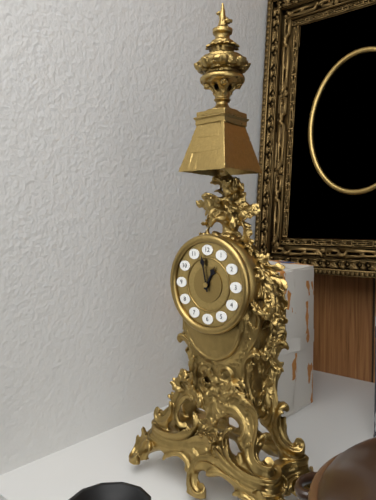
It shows 12.58
